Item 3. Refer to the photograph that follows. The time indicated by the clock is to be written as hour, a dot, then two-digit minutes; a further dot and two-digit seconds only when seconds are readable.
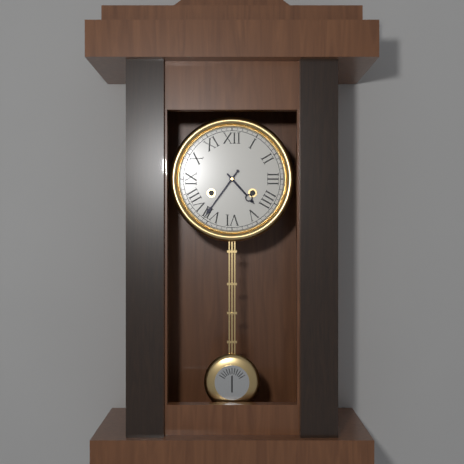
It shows 4.36
